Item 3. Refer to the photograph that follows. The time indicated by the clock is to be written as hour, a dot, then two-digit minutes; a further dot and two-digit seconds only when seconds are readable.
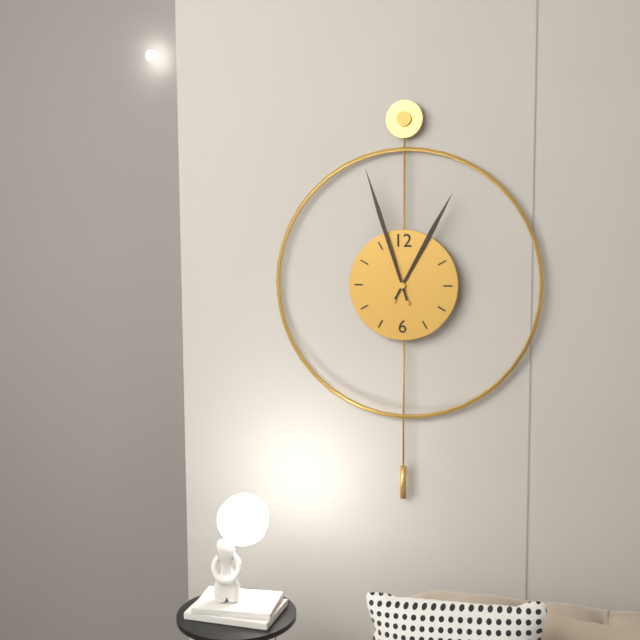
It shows 12.57
